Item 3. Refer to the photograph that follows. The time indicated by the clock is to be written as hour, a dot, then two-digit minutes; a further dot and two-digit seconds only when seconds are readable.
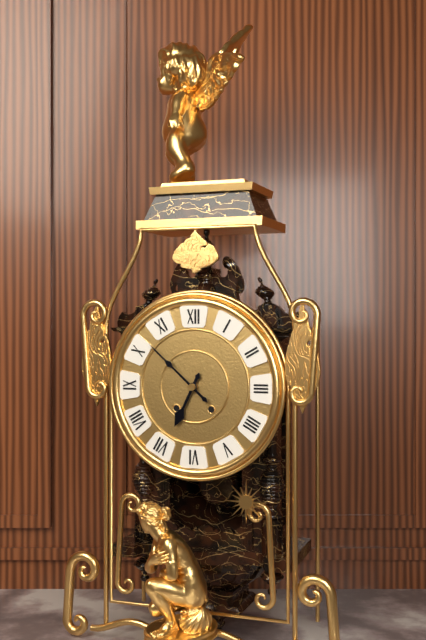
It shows 6.52
